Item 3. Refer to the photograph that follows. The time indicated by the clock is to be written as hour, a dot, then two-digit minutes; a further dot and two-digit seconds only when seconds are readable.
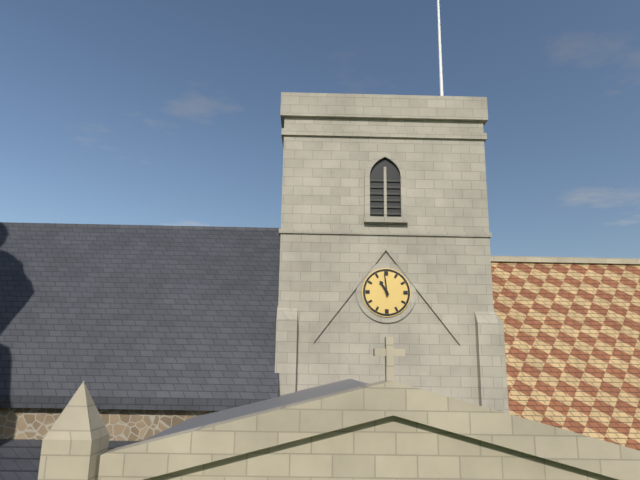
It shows 10.59
